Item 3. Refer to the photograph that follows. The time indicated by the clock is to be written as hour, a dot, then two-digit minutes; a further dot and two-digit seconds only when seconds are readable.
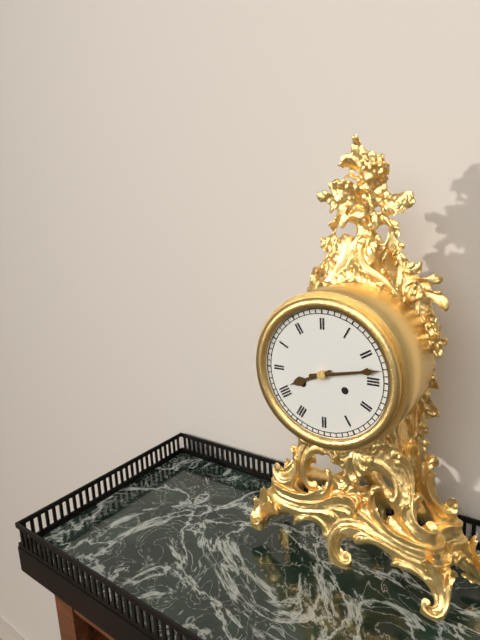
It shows 8.13
